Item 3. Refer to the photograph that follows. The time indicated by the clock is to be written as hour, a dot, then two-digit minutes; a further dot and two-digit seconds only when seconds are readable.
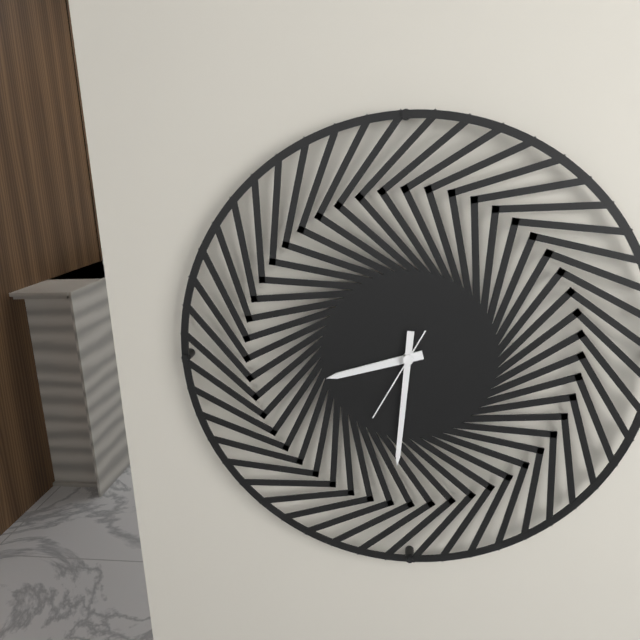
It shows 8.31.35
